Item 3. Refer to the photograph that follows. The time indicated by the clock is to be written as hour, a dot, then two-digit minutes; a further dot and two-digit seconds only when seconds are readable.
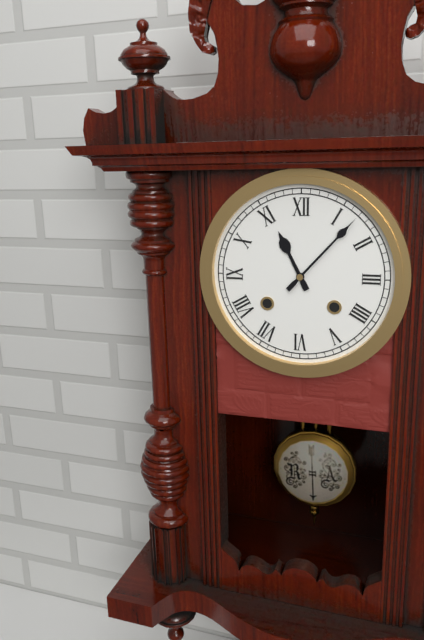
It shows 11.07
